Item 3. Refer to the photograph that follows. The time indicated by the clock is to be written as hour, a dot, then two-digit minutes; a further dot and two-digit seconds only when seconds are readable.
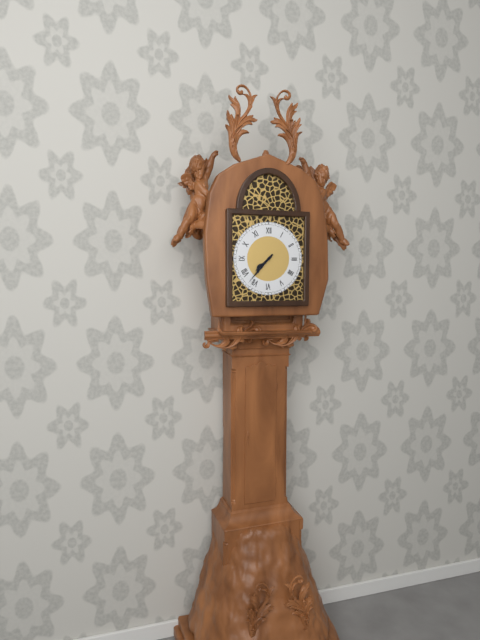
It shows 7.37
